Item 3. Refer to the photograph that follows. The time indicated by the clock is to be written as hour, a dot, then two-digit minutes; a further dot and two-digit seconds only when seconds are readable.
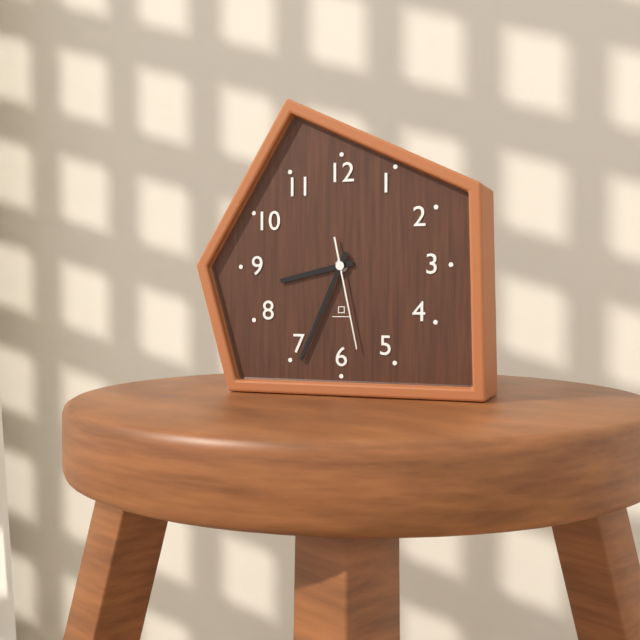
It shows 8.34.28
